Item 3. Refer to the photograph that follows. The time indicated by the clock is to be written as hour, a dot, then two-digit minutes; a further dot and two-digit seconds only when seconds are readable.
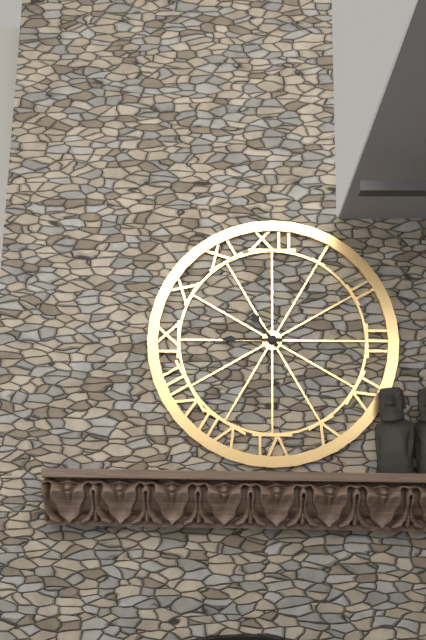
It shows 10.45
